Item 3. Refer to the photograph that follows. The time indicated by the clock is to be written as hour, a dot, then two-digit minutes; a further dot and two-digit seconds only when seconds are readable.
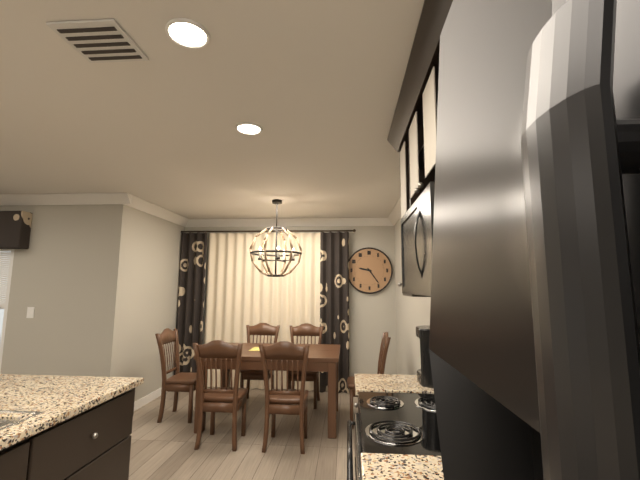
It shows 9.24
